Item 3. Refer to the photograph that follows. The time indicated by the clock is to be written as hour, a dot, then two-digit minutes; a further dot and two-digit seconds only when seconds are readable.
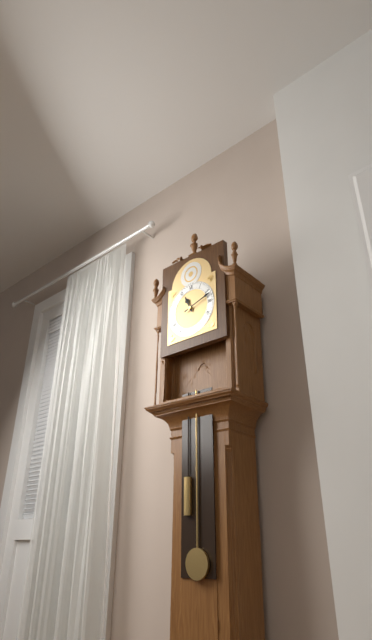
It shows 11.12
